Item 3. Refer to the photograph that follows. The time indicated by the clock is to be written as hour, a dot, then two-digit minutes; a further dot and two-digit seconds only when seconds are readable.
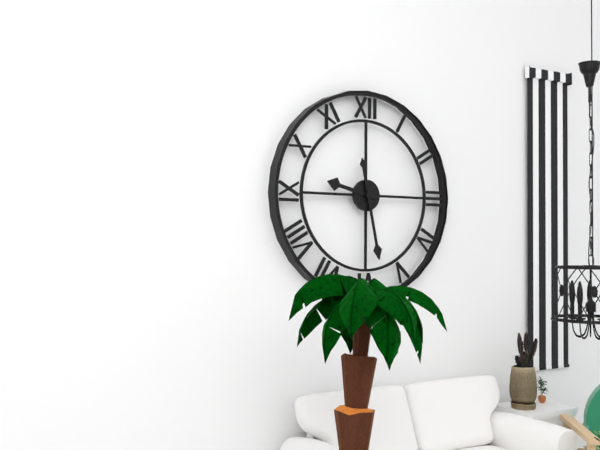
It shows 9.28
